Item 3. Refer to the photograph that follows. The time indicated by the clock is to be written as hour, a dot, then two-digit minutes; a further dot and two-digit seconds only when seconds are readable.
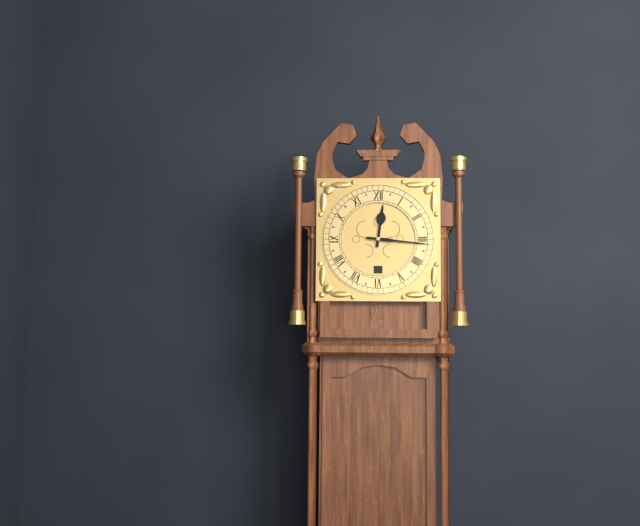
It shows 12.16
